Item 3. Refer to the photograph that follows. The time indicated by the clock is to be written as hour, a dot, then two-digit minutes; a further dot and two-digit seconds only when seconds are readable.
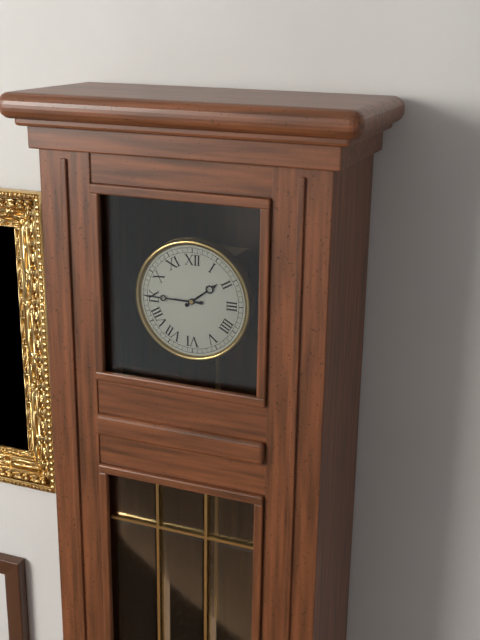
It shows 1.45
